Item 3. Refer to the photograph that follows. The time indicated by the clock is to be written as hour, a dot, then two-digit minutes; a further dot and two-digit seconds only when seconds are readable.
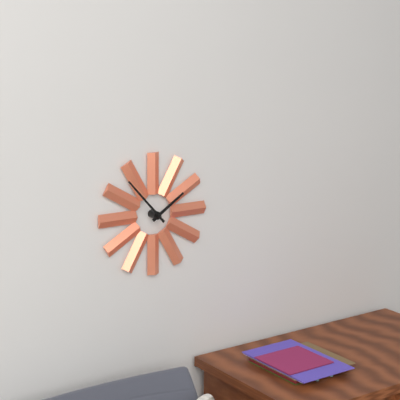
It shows 1.53
